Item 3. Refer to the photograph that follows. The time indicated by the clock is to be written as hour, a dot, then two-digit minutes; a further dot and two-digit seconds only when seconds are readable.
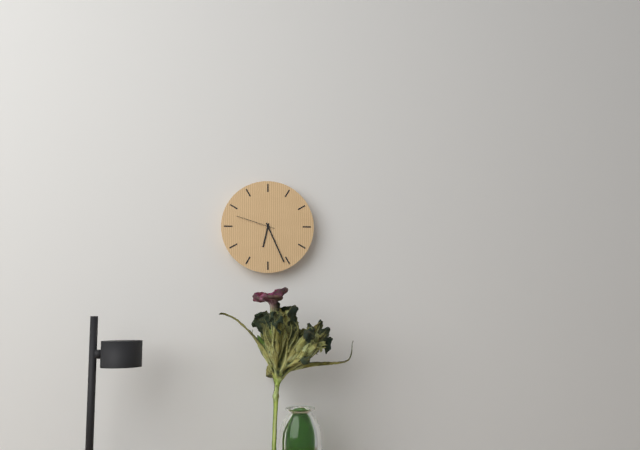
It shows 6.26
